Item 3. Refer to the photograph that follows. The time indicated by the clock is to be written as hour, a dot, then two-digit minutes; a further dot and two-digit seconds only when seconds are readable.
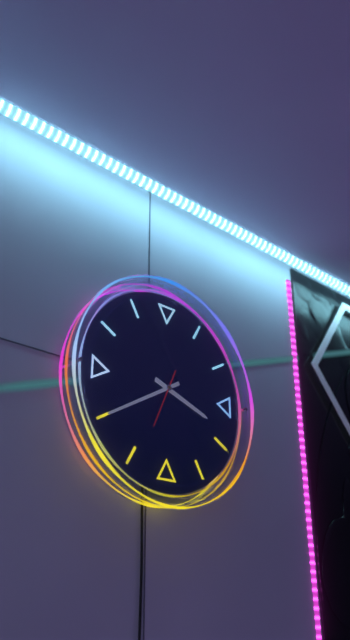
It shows 3.40.34
